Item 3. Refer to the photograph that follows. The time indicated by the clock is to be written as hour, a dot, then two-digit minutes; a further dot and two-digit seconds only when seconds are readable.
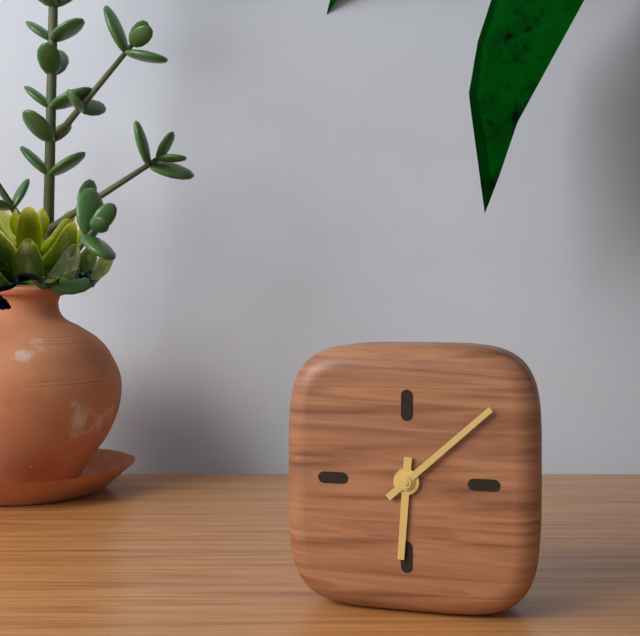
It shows 6.08
